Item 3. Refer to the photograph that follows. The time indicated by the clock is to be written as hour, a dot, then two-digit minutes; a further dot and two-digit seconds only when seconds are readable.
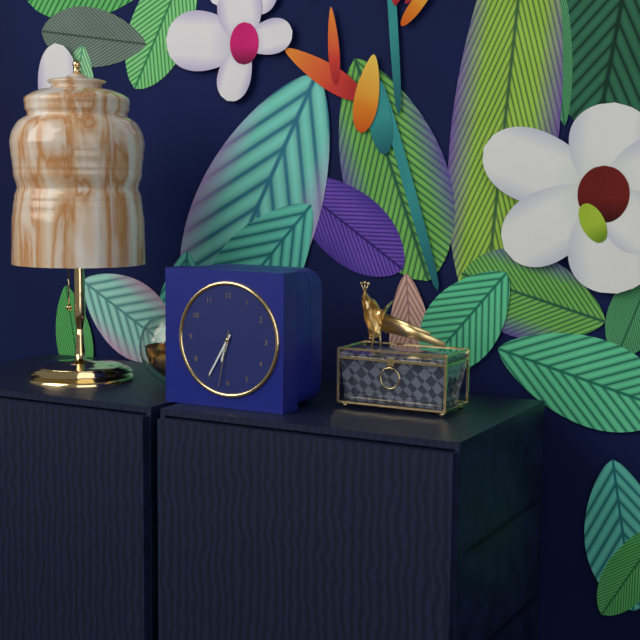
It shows 6.35.32
